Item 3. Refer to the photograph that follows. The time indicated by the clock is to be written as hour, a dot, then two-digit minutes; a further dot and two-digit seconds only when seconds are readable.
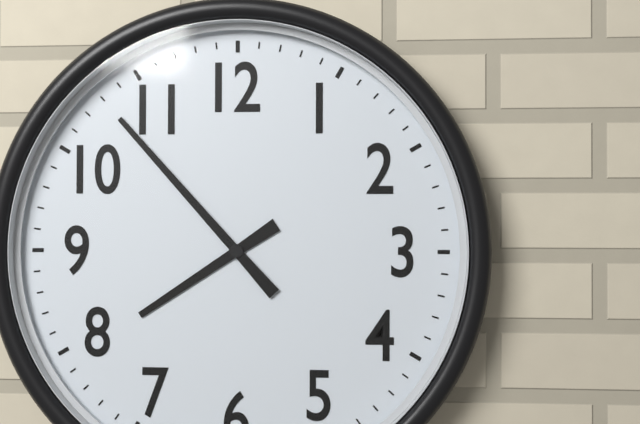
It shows 7.53
